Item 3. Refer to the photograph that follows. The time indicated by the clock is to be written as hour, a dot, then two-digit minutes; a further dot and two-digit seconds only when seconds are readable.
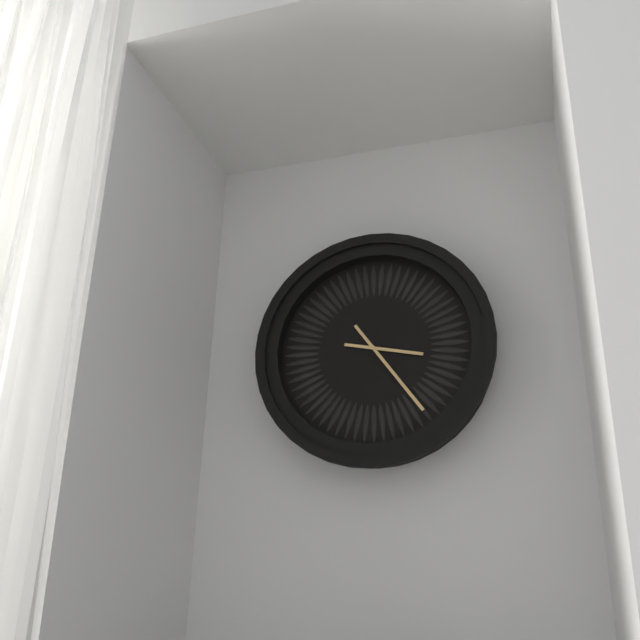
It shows 3.24
